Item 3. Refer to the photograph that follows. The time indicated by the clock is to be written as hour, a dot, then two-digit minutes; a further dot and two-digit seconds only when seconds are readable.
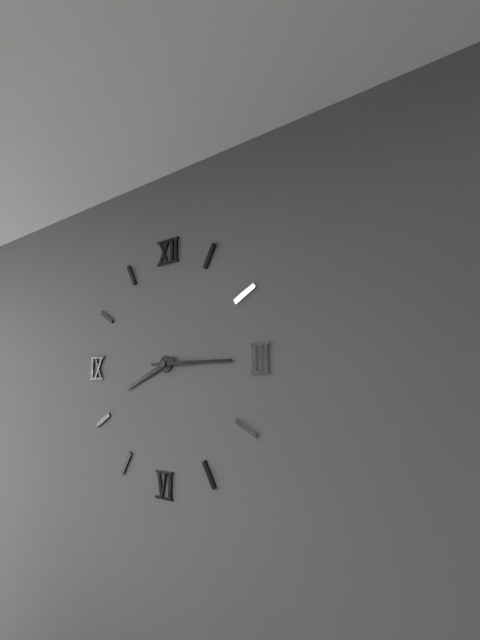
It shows 8.15
